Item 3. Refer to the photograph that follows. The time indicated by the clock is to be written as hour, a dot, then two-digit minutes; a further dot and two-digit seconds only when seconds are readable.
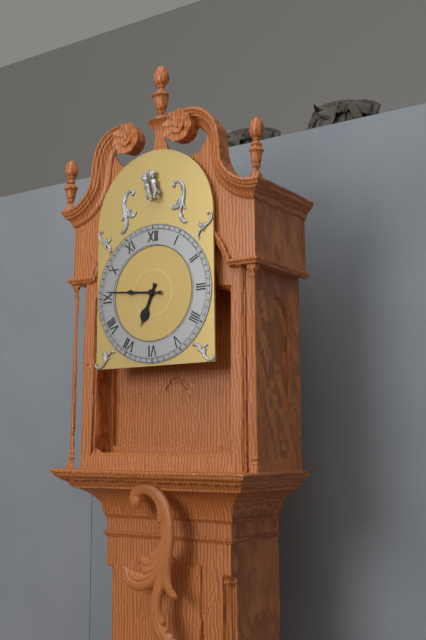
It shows 6.46
